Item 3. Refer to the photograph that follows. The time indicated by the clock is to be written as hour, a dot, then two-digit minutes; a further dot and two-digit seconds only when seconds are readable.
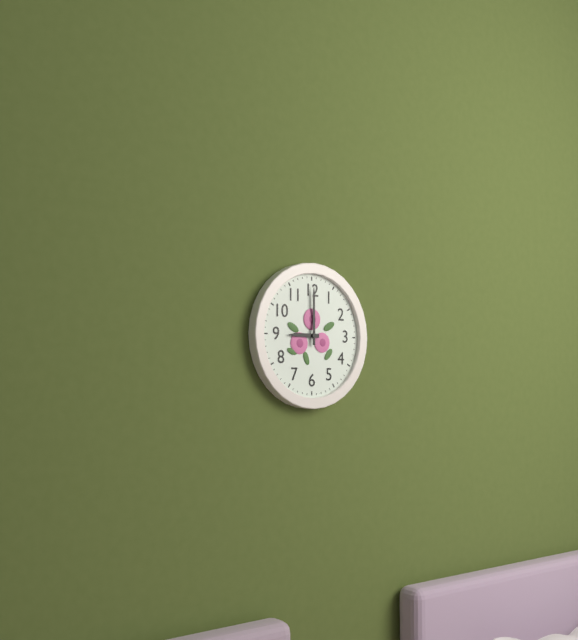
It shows 9.00
